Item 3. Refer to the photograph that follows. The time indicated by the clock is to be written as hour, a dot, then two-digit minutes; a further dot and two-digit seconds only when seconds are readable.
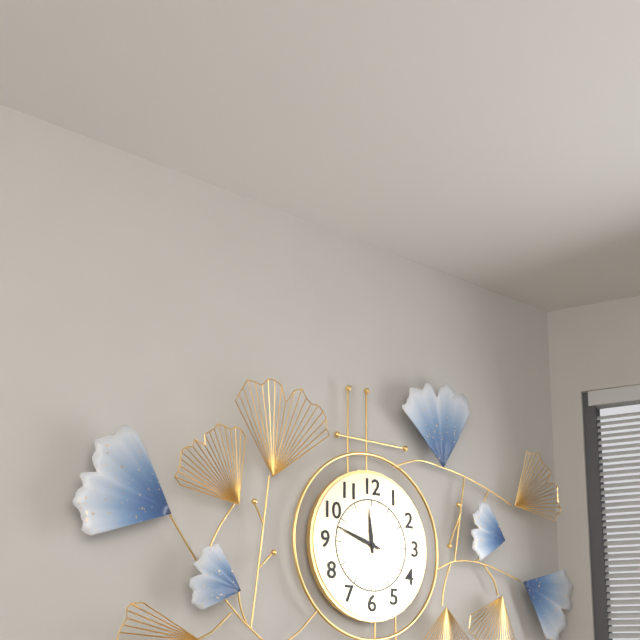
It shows 11.48
